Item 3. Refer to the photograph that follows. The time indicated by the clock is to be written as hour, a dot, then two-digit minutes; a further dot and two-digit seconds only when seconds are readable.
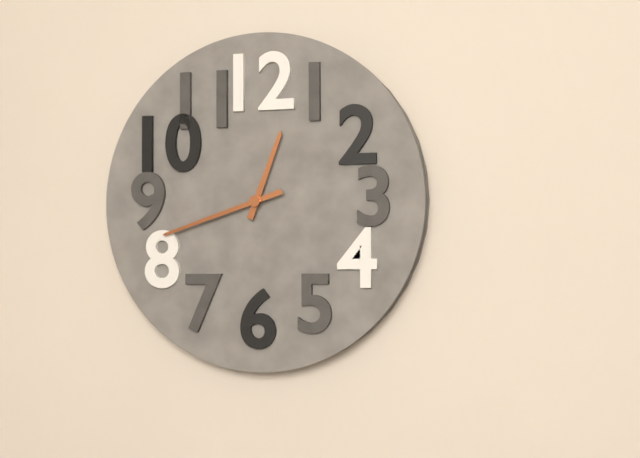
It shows 12.42
